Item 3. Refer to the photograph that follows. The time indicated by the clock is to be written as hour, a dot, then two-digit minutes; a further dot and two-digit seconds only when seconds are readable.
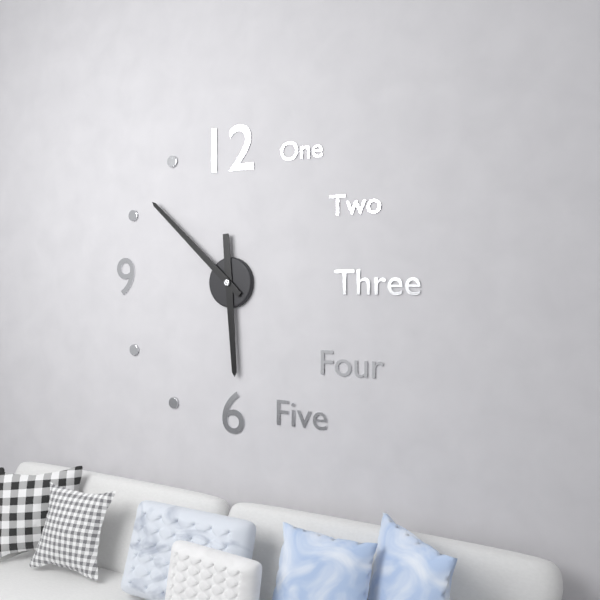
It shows 5.52
